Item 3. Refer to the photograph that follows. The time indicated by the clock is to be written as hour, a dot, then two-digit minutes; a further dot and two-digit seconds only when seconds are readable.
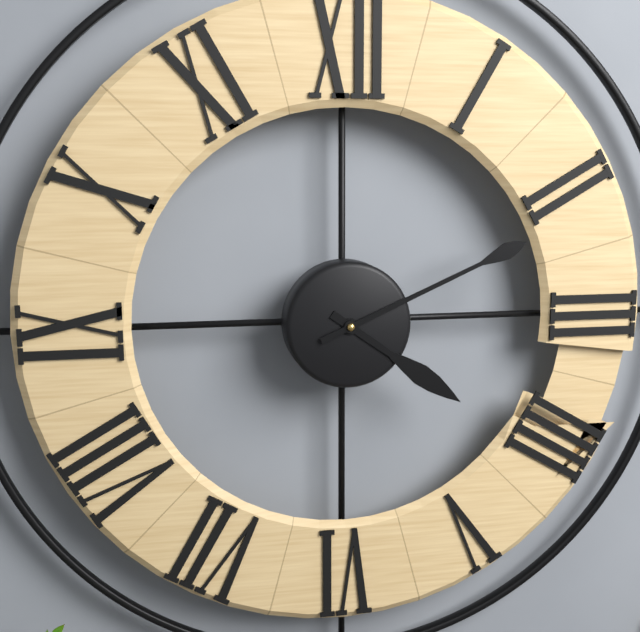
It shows 4.11
